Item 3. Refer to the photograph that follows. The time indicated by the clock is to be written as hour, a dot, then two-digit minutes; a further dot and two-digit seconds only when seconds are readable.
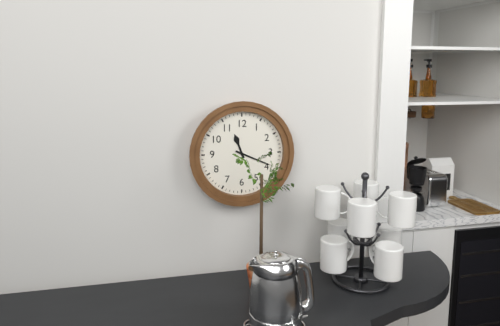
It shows 11.19
